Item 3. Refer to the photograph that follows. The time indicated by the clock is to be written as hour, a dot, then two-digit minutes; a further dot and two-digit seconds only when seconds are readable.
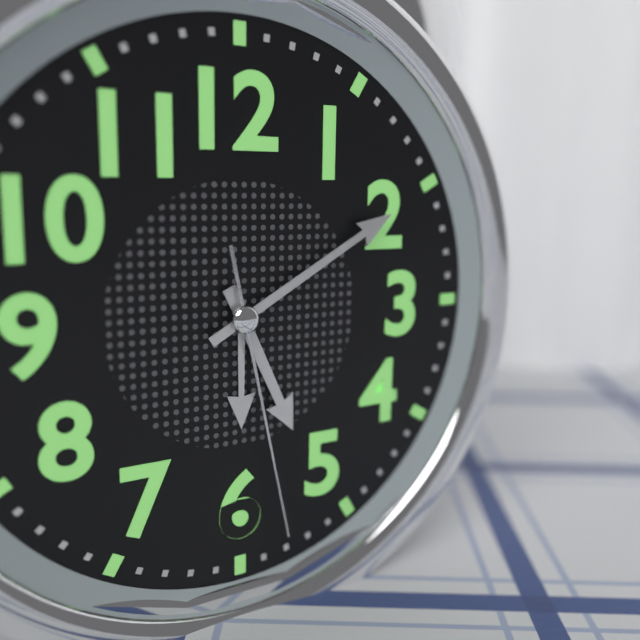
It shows 5.10.28
